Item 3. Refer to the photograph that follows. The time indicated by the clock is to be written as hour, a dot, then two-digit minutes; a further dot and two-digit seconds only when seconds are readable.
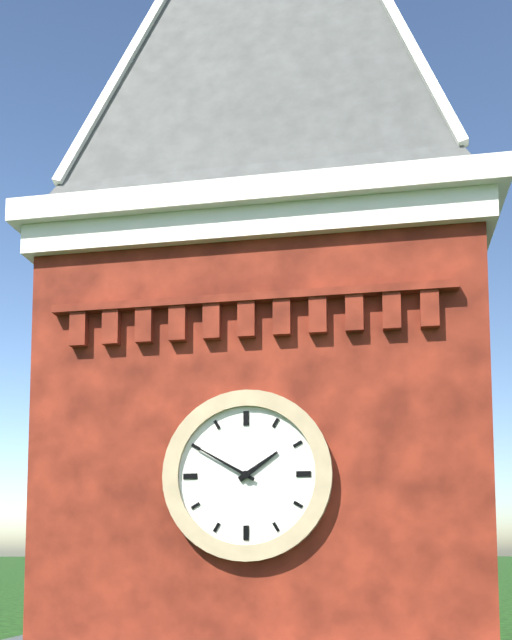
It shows 1.50
